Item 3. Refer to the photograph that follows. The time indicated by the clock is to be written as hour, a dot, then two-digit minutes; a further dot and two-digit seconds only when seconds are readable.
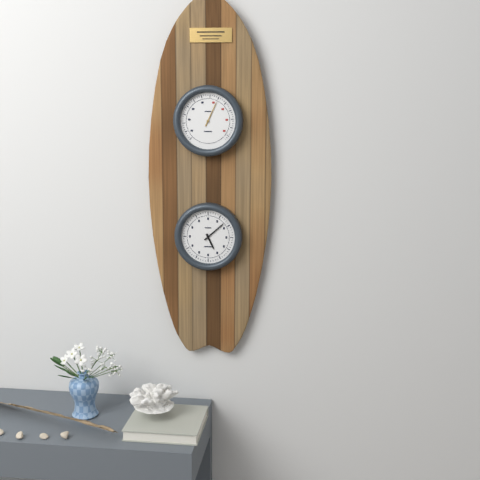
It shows 5.08
